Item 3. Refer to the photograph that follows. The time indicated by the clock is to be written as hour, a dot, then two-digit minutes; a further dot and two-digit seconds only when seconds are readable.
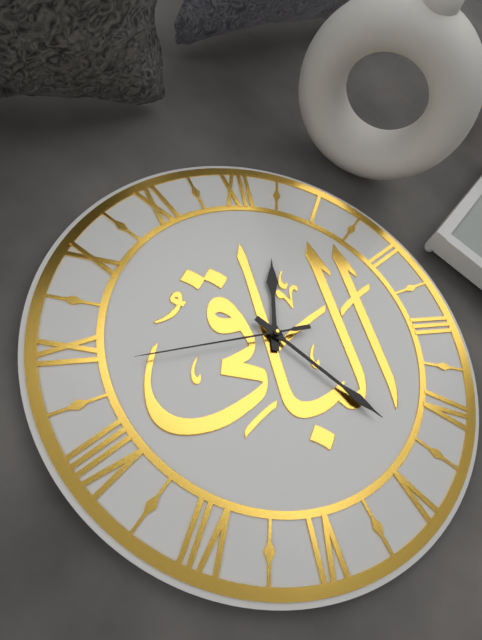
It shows 12.23.44
